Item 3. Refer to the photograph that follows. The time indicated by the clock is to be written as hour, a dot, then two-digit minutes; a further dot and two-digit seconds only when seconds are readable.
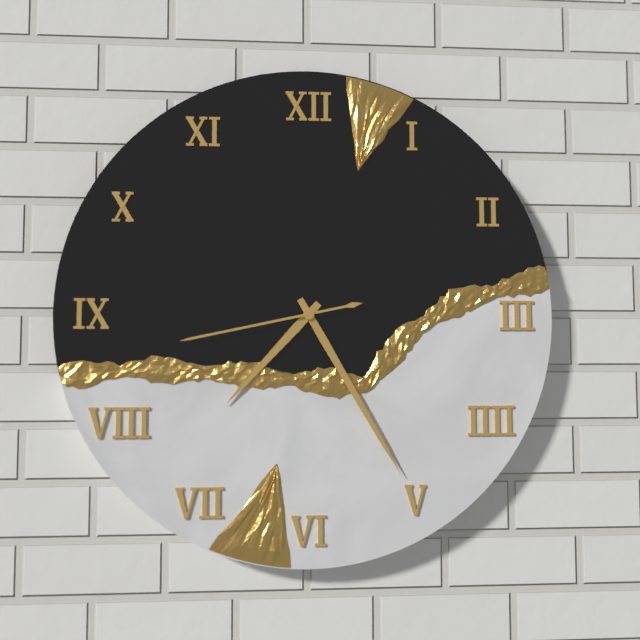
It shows 7.25.43
